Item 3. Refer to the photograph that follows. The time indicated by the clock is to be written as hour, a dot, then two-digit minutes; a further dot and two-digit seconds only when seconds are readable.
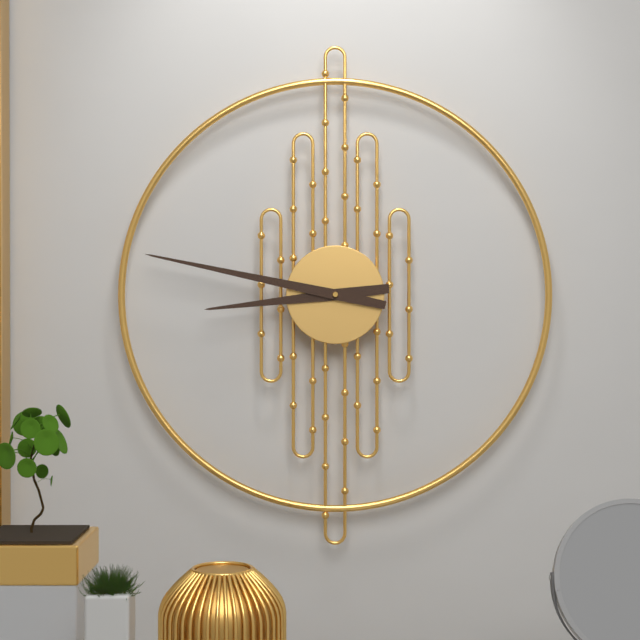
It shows 8.47
